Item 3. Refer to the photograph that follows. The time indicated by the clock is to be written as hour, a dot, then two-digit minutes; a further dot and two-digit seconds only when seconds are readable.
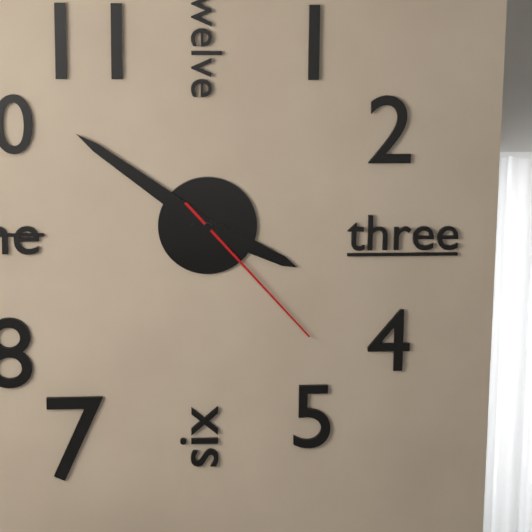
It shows 3.51.23
